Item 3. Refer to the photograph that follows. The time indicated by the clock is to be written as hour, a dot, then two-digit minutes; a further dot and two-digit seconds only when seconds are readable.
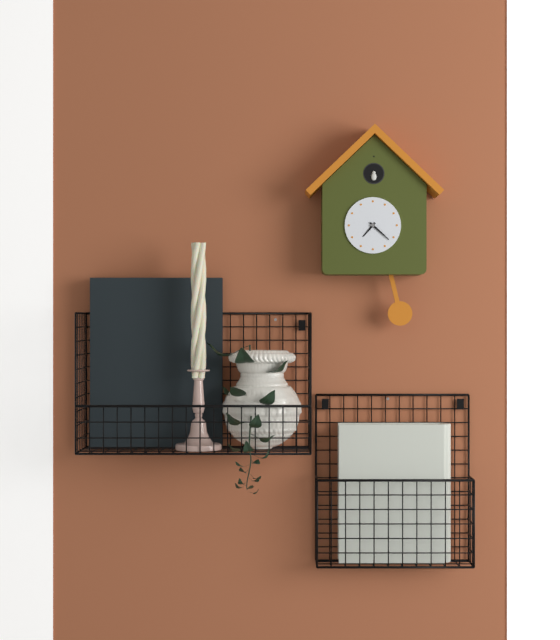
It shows 7.22
